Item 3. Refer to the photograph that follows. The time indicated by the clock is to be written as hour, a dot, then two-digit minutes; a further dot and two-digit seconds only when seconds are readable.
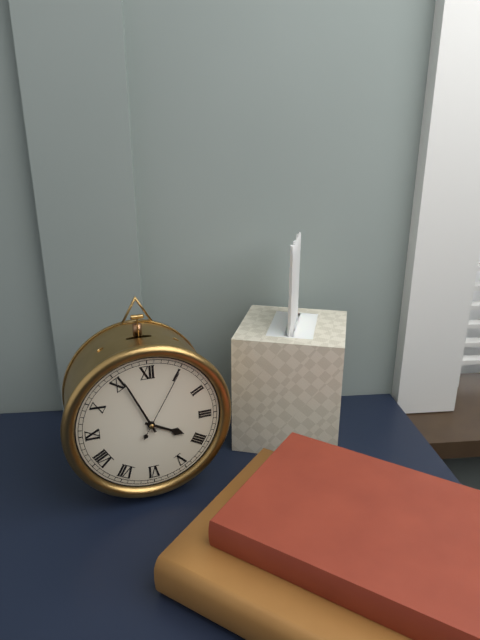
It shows 3.56.05
